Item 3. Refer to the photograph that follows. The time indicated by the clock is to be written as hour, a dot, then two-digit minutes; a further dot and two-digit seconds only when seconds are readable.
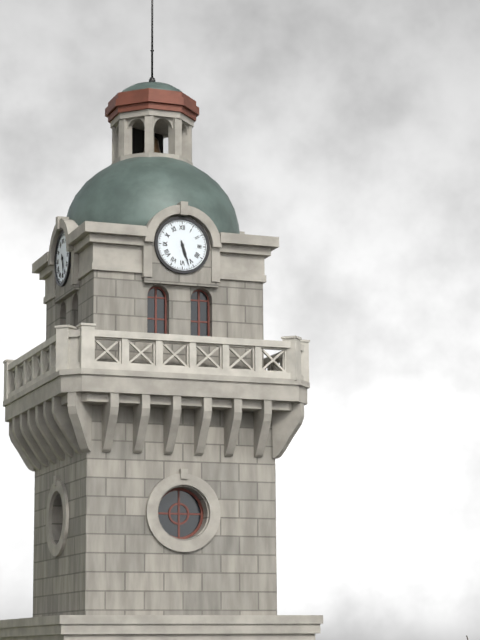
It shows 5.27
